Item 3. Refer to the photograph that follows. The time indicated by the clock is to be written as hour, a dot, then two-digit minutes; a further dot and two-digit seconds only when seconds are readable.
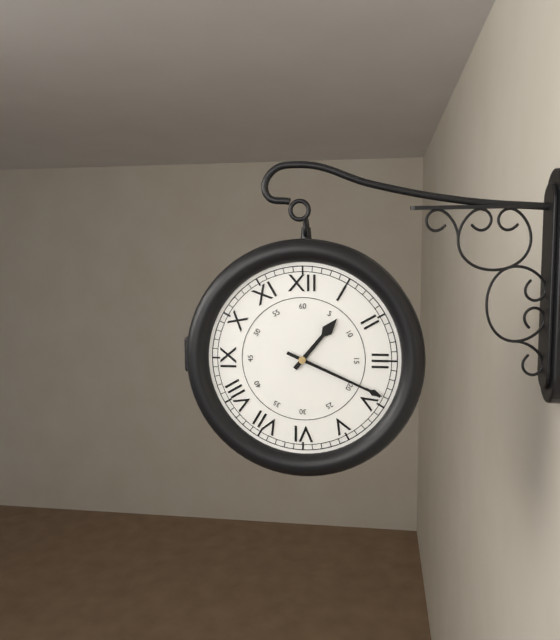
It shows 1.19
